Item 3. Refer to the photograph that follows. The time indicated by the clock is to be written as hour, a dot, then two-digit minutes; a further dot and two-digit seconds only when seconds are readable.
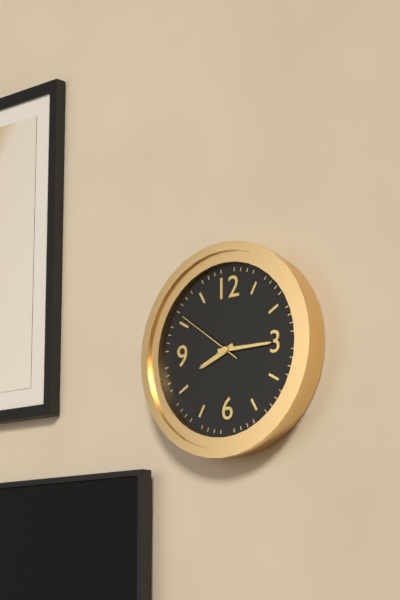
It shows 8.15.51
